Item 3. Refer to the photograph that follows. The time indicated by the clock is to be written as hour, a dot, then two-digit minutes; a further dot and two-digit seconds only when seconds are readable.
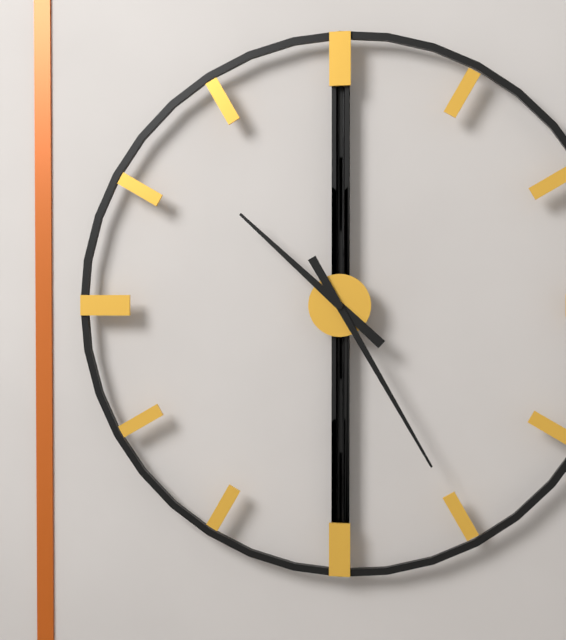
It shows 10.25
